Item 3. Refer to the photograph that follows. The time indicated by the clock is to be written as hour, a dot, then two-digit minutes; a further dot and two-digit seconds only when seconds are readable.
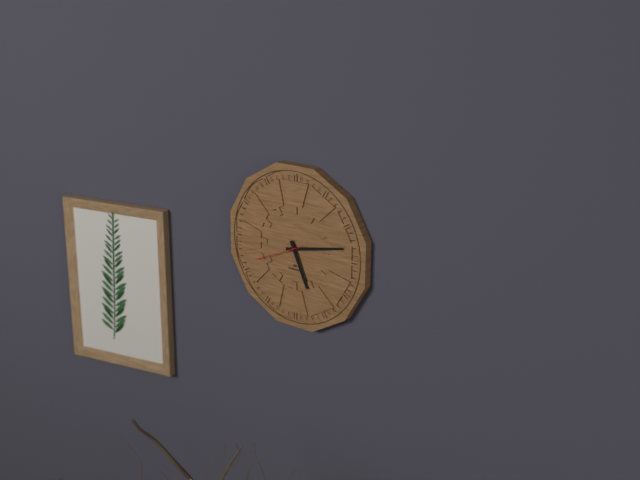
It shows 5.13
